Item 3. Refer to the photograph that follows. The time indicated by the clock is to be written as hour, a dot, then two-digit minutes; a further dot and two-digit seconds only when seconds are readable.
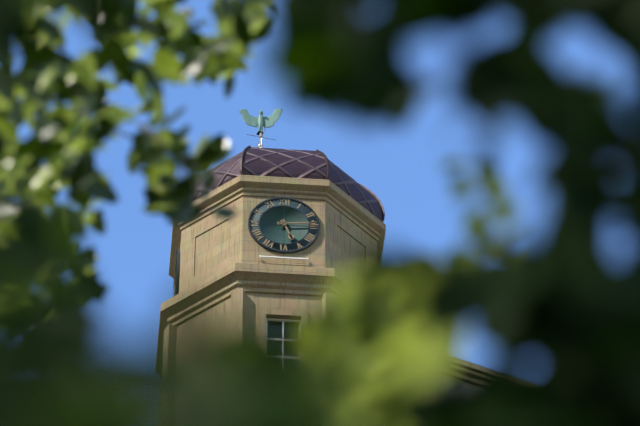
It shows 5.14
